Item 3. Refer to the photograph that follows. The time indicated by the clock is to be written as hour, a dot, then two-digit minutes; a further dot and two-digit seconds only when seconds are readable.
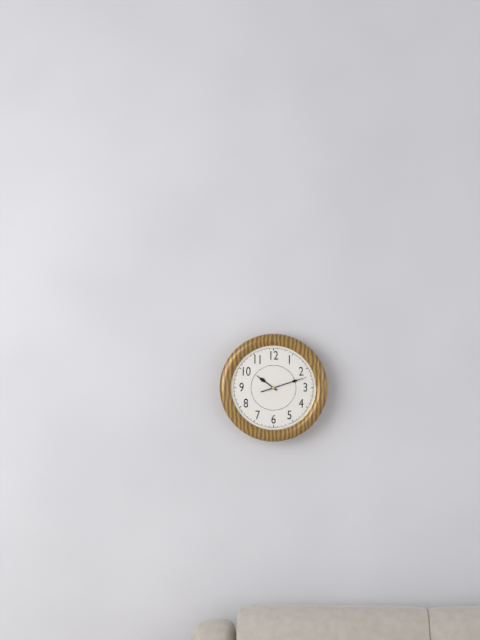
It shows 10.12
